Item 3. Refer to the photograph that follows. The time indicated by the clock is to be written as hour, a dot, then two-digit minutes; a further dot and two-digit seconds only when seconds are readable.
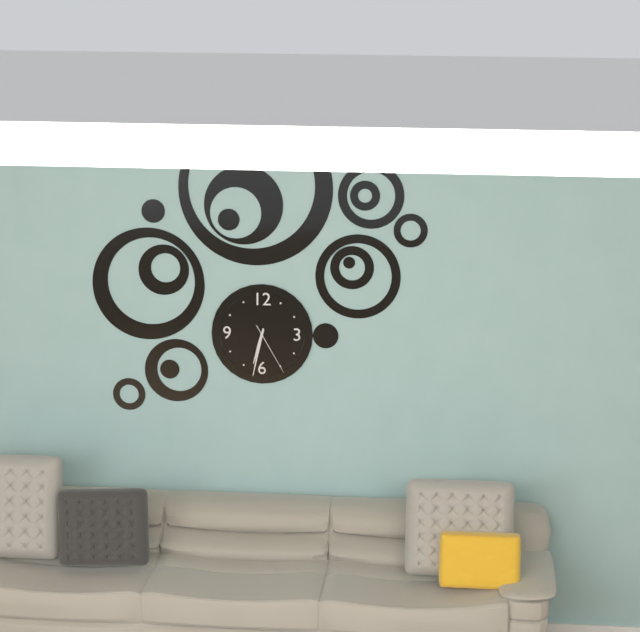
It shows 6.32.25
